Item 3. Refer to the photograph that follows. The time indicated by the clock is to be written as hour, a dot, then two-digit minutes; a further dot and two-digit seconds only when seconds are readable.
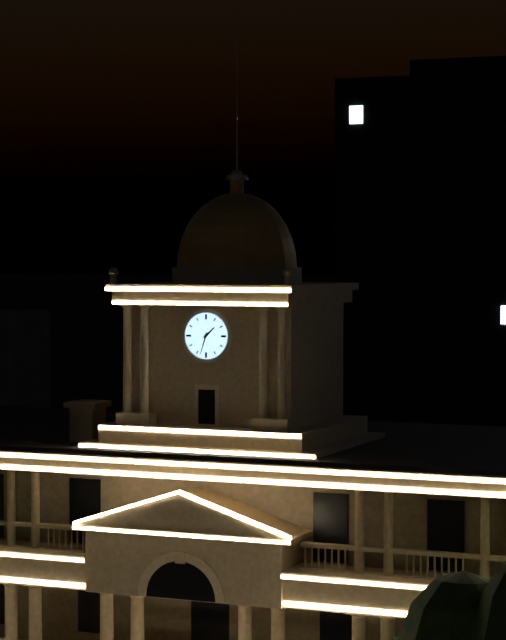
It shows 1.33
